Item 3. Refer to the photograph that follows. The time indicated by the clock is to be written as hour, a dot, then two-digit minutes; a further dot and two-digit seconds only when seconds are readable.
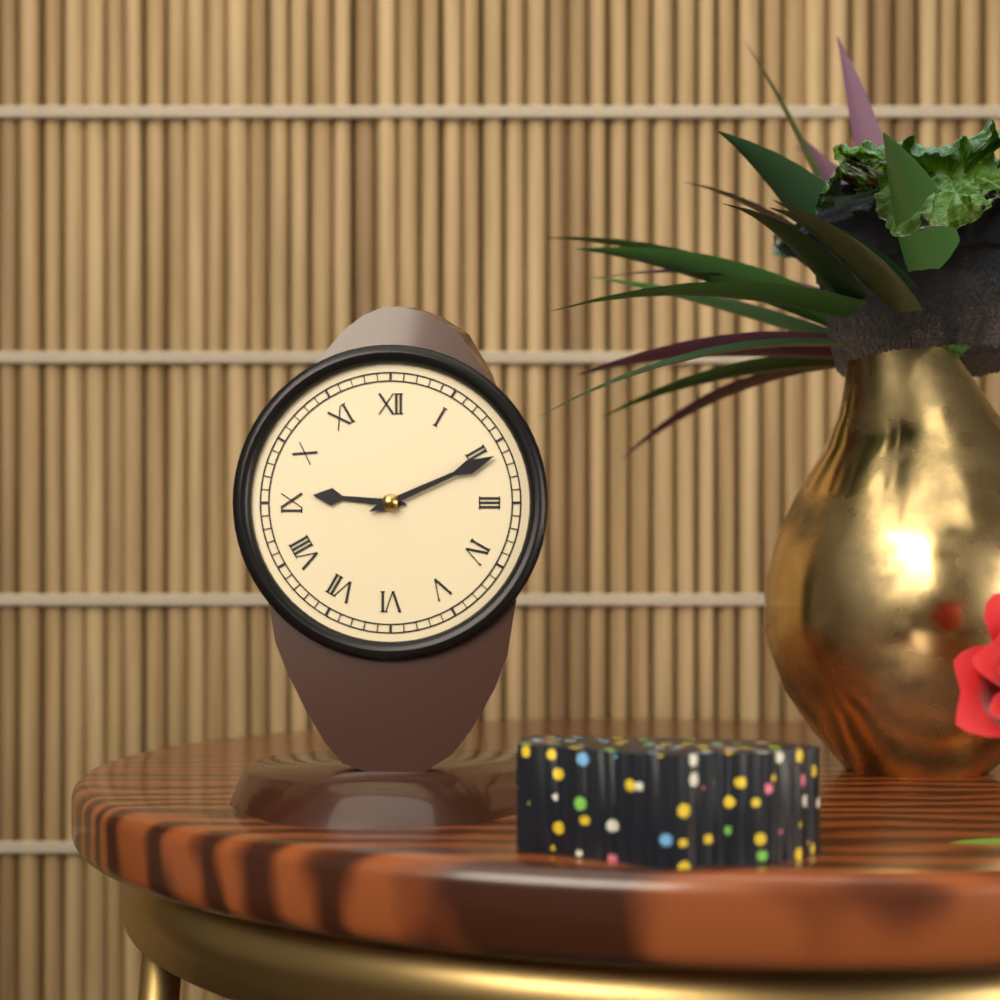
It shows 9.11
